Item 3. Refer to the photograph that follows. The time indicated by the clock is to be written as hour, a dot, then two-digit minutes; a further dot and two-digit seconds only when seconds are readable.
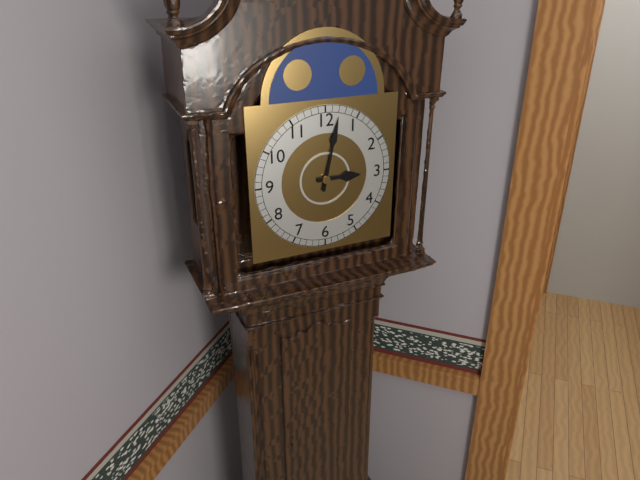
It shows 3.02
